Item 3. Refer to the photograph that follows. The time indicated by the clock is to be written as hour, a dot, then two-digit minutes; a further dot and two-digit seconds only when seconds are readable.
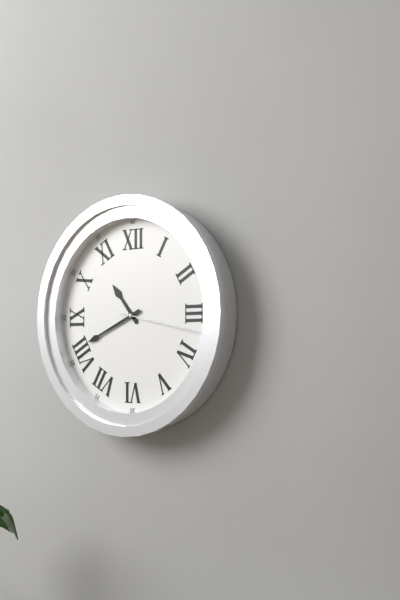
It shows 10.41.17
